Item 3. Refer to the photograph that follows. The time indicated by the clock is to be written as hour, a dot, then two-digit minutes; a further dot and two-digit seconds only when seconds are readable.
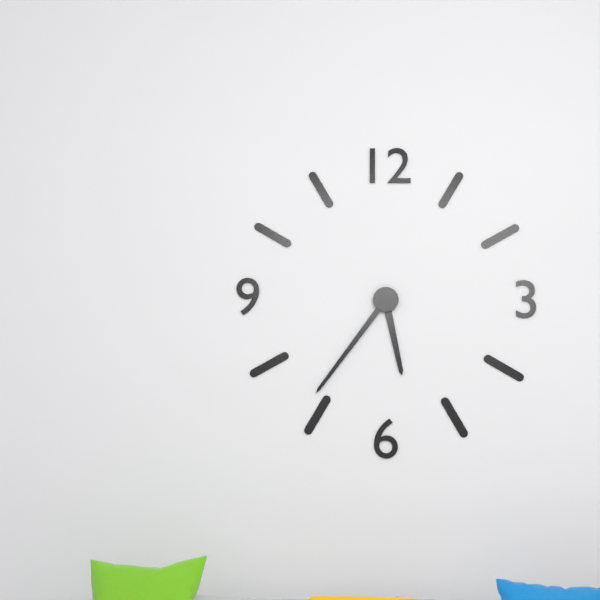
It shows 5.36
